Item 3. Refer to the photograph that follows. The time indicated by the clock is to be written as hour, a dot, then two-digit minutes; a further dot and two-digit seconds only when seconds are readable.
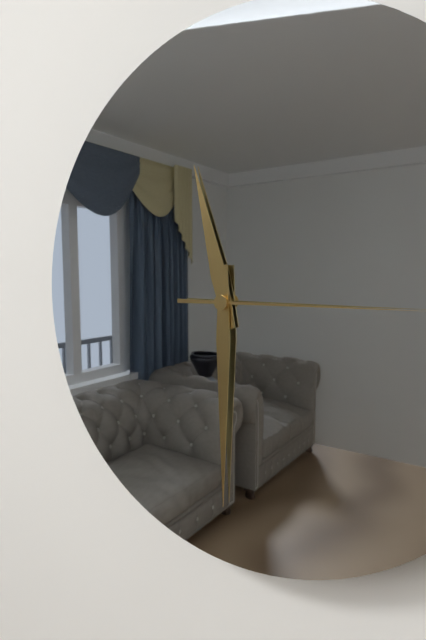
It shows 11.30
